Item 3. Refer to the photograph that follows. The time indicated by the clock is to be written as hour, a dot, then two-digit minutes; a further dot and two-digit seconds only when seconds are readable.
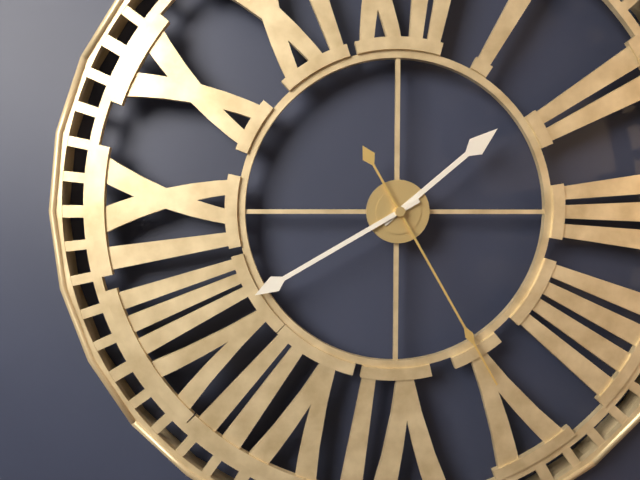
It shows 1.40.25
